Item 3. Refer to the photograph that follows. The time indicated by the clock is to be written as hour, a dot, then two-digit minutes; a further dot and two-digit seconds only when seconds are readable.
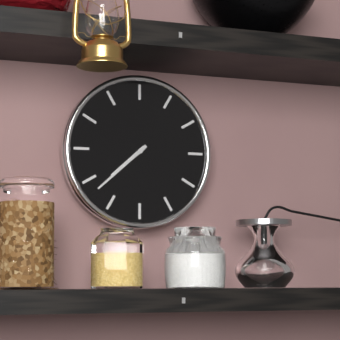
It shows 7.38
